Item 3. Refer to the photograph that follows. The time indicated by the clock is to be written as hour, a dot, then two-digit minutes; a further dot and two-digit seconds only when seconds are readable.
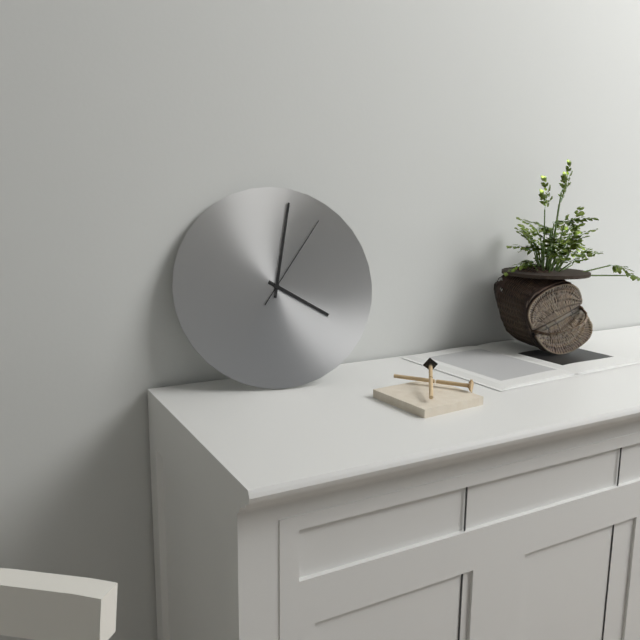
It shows 4.02.06
